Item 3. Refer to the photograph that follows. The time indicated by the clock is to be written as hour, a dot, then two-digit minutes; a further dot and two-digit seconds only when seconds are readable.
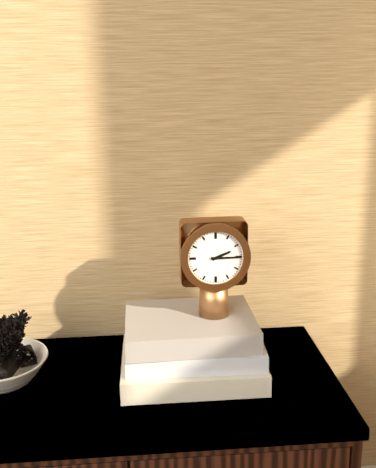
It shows 2.15
